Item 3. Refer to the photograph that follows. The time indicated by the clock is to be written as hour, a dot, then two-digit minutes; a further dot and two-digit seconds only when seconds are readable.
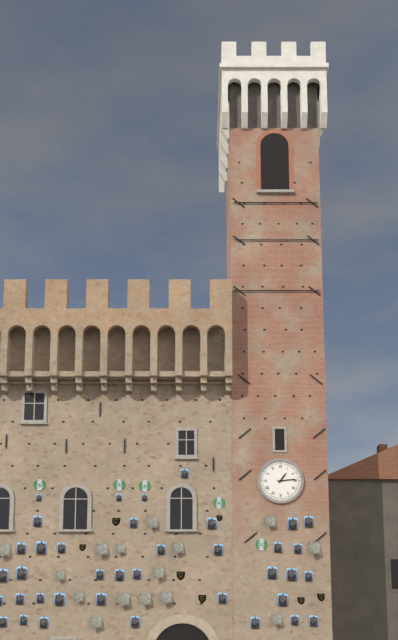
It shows 1.14
